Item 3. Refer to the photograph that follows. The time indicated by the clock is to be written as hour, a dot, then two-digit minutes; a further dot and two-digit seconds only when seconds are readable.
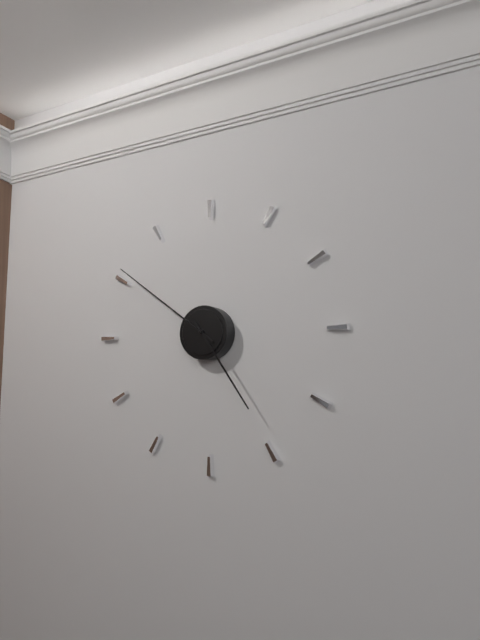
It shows 4.51
